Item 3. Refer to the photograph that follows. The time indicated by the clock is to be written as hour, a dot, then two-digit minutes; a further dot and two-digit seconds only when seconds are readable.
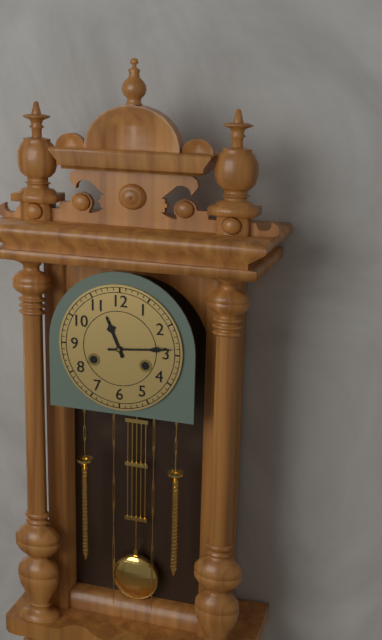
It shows 11.14
